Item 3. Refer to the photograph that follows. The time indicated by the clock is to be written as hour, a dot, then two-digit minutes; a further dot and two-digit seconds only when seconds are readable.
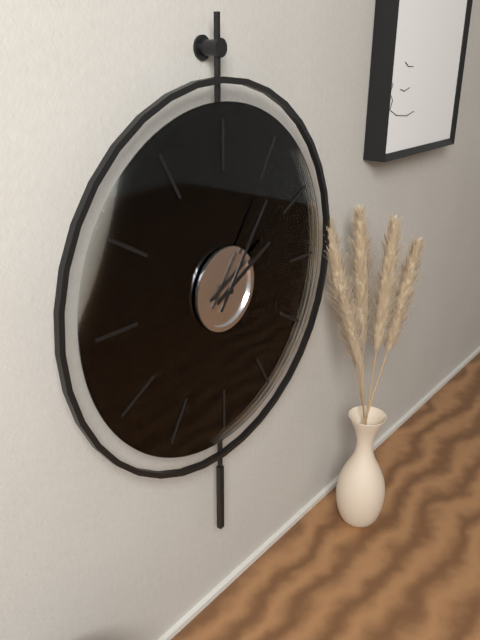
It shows 2.06
